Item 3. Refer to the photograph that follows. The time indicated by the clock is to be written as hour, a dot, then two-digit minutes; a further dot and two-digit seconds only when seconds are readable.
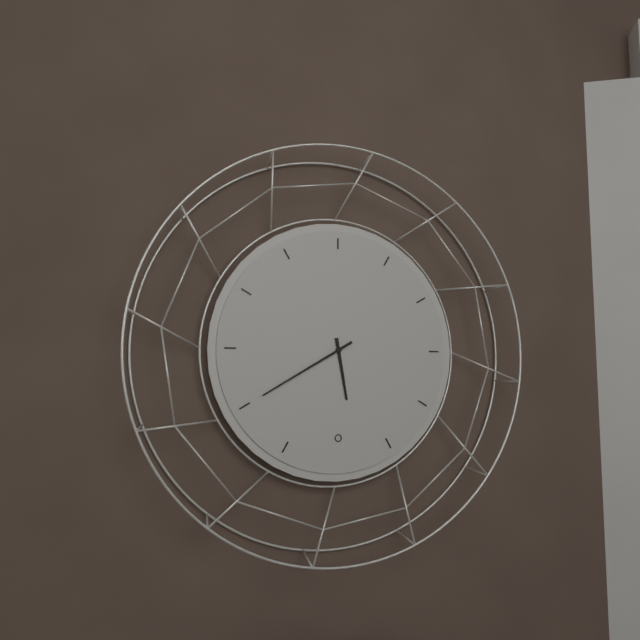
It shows 5.40
